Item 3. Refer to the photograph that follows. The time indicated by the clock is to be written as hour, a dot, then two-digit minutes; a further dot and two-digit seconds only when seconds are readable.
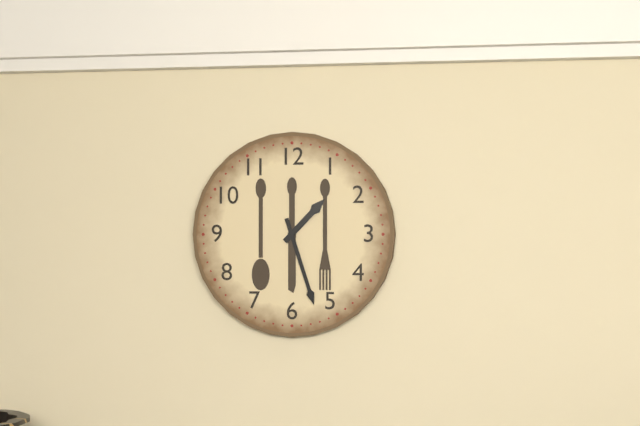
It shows 1.27
